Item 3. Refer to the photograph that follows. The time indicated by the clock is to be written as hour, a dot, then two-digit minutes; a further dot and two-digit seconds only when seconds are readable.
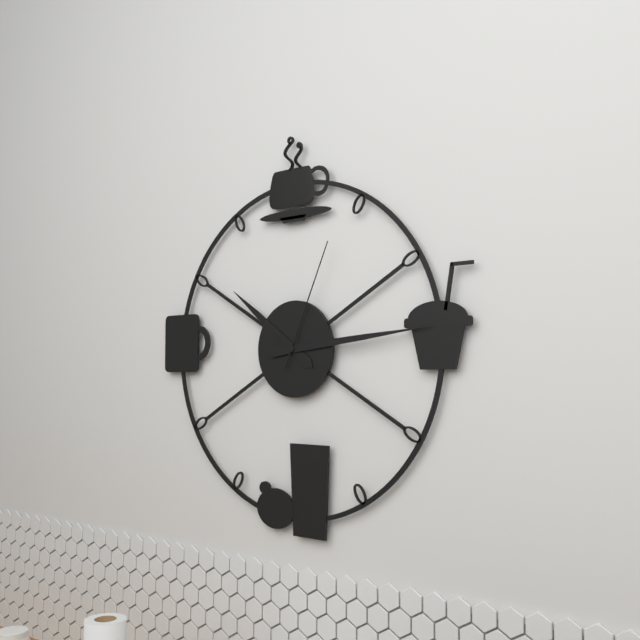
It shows 10.14.04
